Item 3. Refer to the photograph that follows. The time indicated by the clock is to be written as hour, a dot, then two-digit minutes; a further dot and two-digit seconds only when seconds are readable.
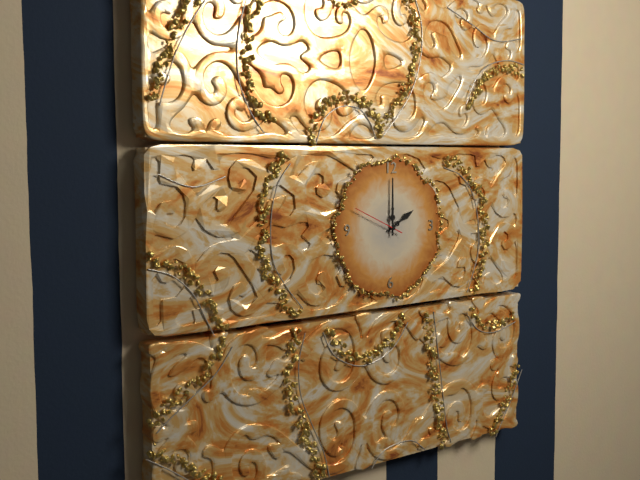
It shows 2.00
